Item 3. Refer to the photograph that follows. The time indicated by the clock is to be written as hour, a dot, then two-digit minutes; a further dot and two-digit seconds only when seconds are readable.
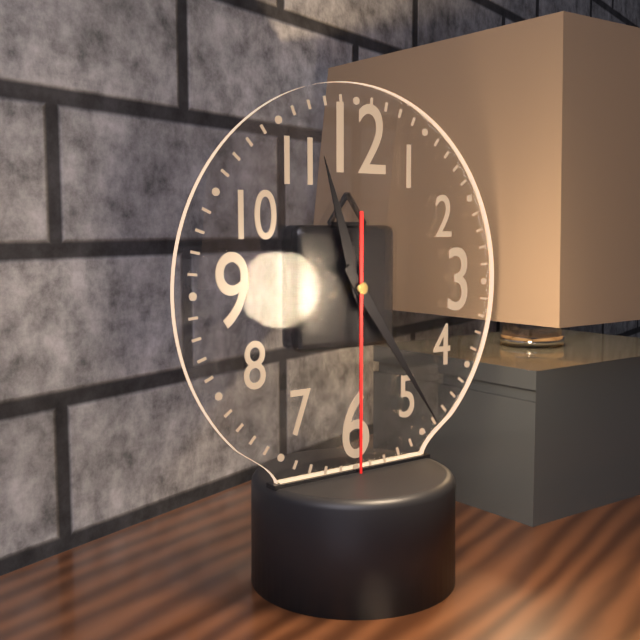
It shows 11.24.30
